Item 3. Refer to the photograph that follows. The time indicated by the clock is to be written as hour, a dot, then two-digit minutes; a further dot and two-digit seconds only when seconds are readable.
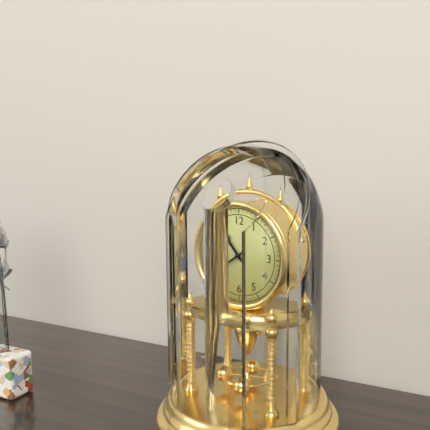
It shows 10.39
